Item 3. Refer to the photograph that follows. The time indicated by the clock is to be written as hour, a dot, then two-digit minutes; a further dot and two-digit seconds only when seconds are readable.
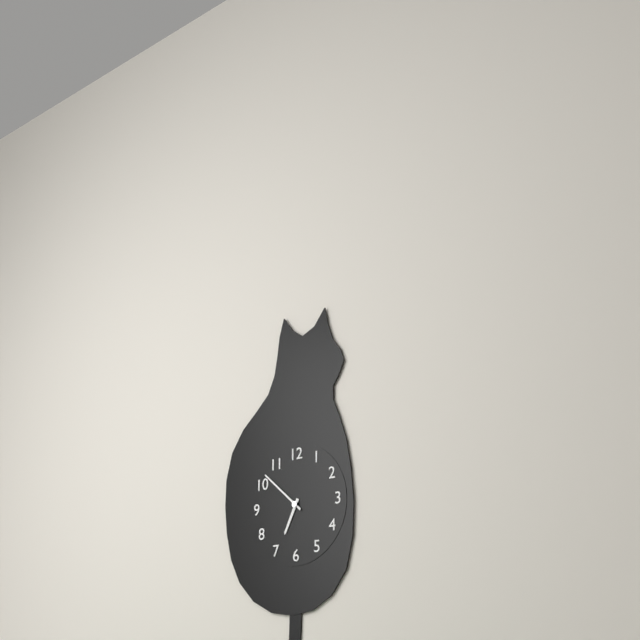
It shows 6.52
